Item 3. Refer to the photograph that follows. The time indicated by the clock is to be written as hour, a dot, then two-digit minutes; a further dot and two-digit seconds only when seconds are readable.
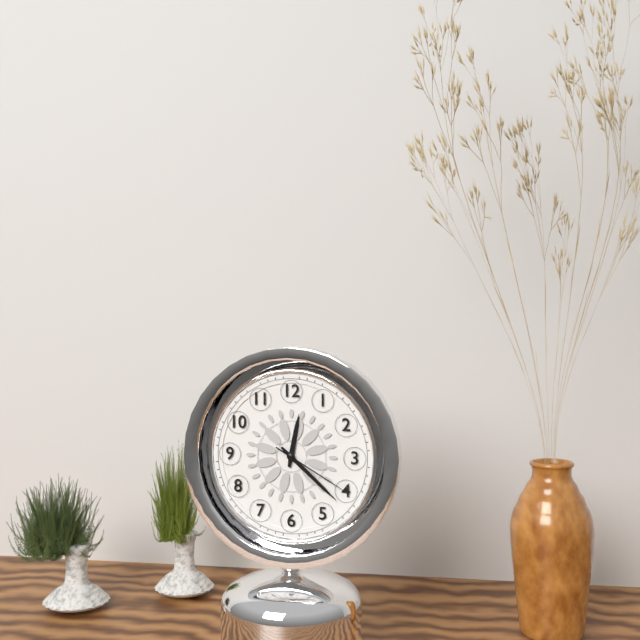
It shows 12.22.20
